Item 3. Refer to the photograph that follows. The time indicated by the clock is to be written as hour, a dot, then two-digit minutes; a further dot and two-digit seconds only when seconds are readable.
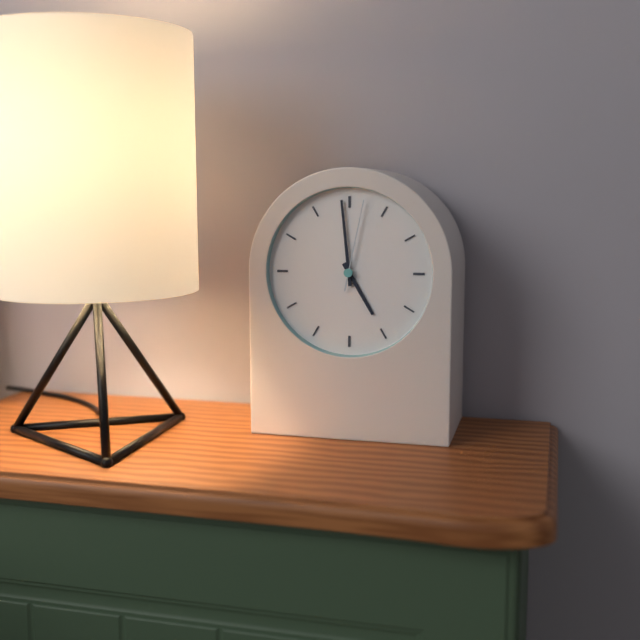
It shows 4.59.02
